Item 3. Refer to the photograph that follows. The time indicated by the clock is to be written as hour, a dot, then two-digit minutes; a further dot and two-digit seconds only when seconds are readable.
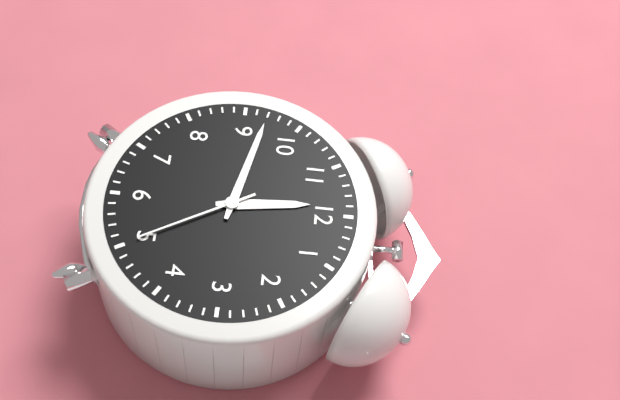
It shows 11.47.25
